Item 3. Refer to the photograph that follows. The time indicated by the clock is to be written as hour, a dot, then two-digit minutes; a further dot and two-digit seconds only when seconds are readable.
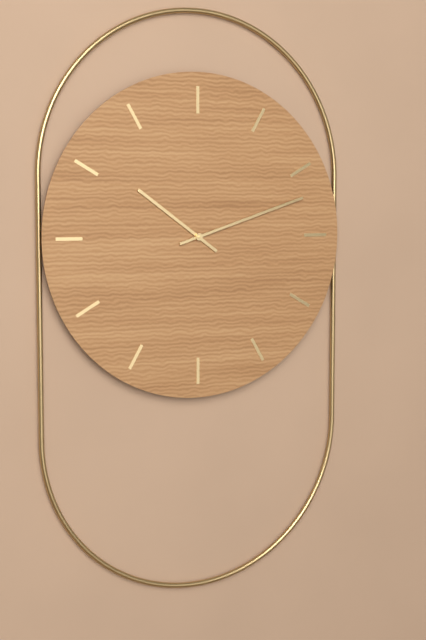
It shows 10.12
